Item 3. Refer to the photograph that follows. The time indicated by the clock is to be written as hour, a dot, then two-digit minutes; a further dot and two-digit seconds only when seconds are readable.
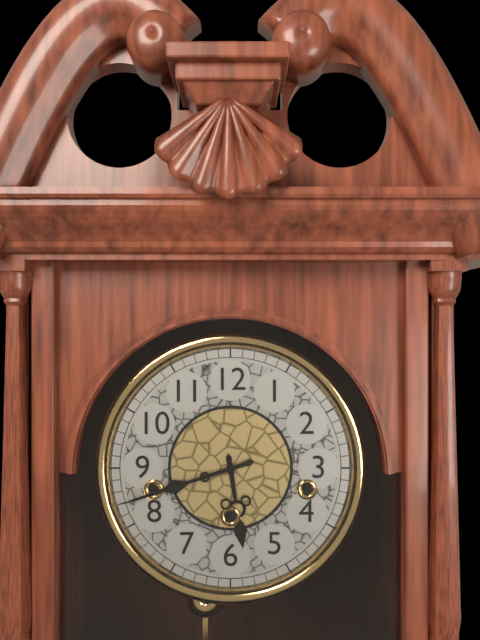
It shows 5.42
